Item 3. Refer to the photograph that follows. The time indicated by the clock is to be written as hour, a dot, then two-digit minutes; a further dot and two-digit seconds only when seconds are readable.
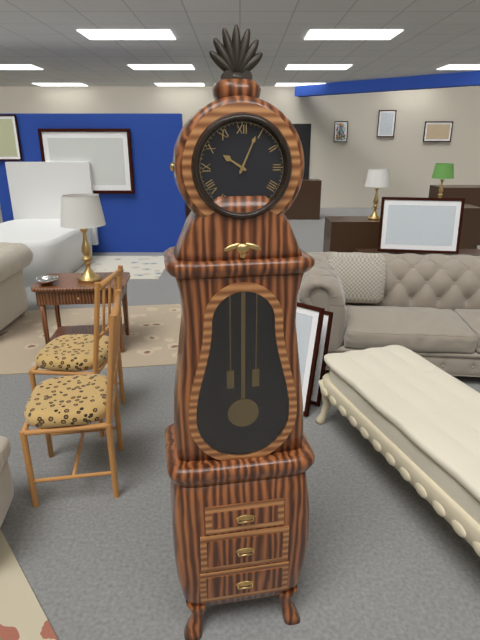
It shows 10.04
